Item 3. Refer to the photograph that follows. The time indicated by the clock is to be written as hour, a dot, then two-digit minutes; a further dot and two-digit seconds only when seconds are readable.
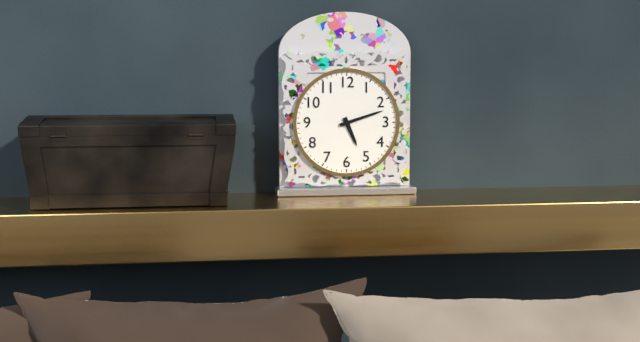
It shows 5.12
